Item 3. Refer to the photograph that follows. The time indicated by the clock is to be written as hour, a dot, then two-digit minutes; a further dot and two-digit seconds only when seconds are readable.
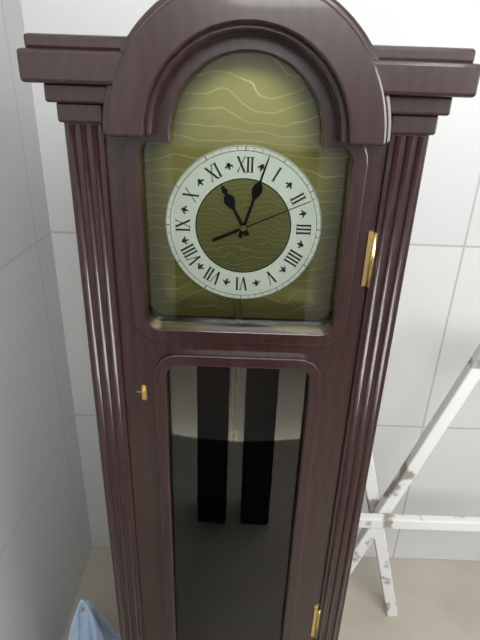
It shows 11.03.11
